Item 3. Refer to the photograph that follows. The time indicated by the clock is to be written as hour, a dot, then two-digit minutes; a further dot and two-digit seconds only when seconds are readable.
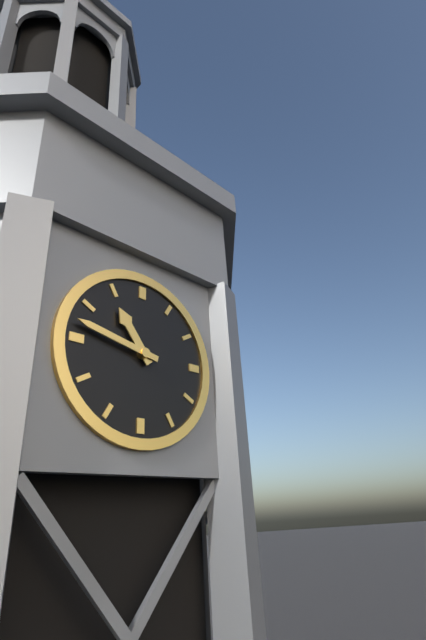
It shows 10.47
